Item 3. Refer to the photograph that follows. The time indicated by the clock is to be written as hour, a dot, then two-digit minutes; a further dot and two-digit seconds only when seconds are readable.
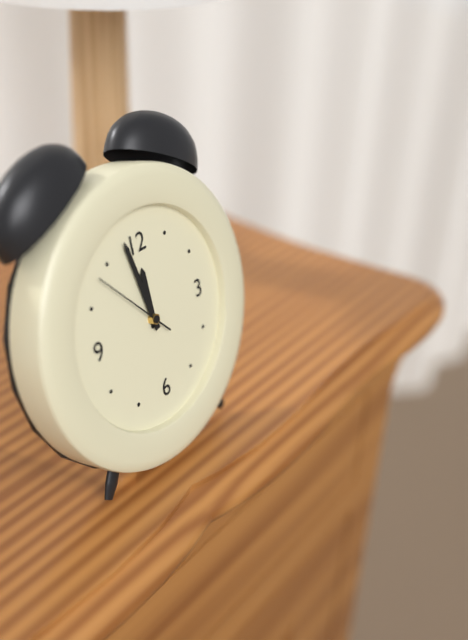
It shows 11.58.53
